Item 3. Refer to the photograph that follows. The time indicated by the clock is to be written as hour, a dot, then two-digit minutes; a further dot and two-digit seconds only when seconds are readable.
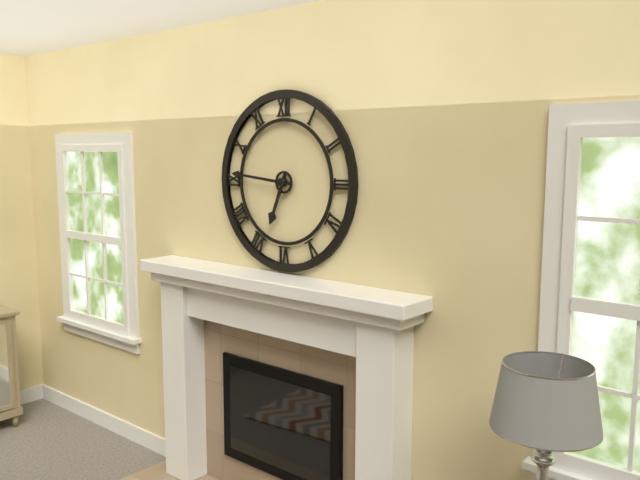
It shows 6.46
